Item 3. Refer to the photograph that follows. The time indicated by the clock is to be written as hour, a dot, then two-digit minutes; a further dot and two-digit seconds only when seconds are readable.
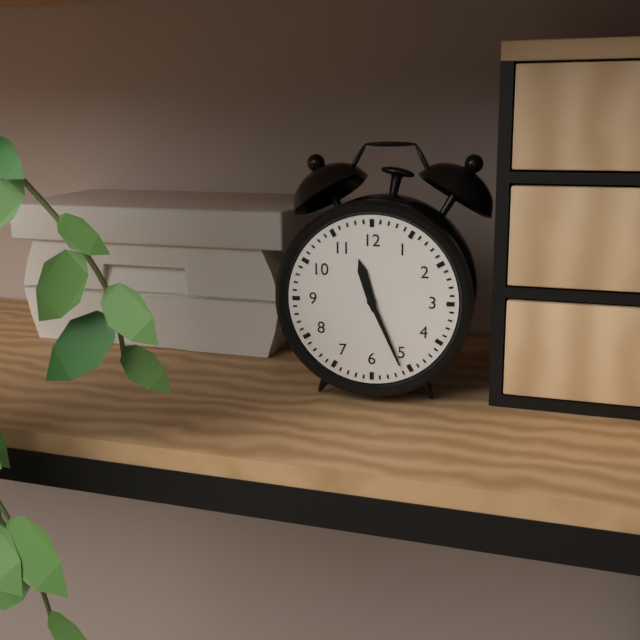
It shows 11.26
